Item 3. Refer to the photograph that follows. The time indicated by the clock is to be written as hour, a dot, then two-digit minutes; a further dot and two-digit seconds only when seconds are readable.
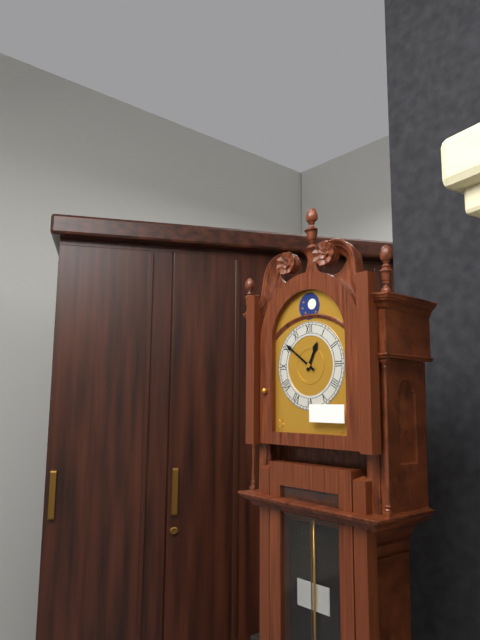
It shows 12.51
